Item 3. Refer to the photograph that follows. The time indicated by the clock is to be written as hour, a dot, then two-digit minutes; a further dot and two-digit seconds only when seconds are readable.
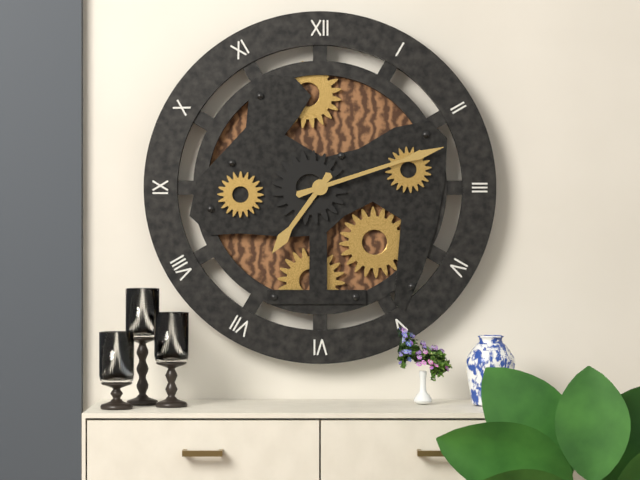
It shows 7.12
